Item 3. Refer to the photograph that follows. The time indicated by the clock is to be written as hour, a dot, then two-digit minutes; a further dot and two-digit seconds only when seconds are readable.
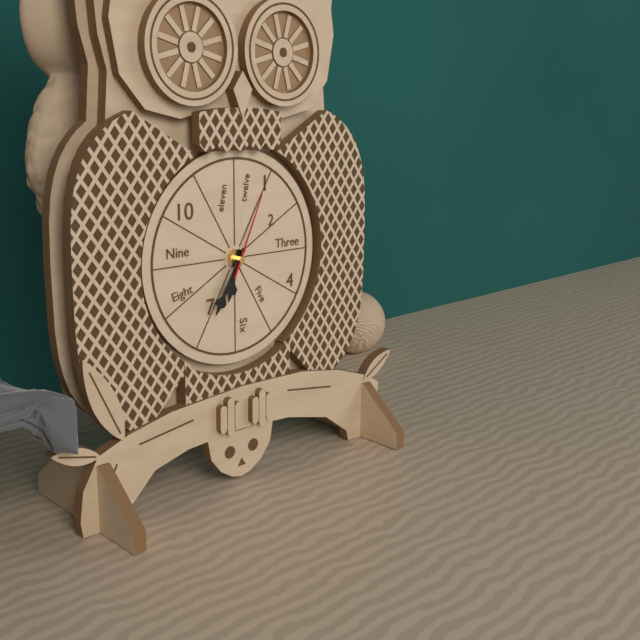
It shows 6.35.04
